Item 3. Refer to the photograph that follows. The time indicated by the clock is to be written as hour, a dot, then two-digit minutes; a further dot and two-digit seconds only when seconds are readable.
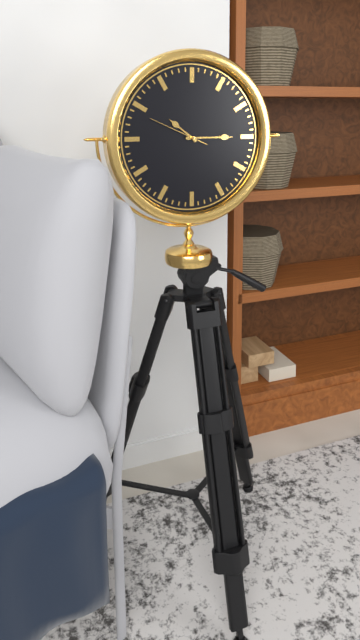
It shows 10.15.49
